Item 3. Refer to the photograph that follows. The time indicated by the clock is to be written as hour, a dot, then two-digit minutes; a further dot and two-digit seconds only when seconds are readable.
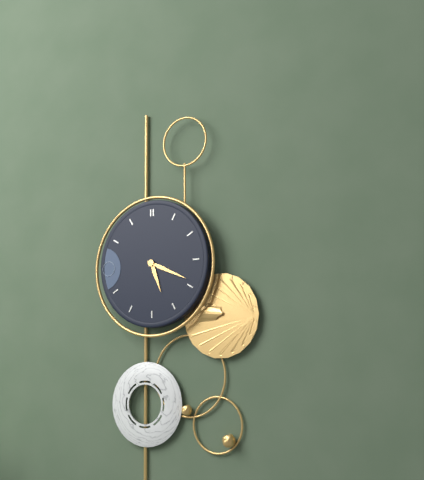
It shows 5.19
